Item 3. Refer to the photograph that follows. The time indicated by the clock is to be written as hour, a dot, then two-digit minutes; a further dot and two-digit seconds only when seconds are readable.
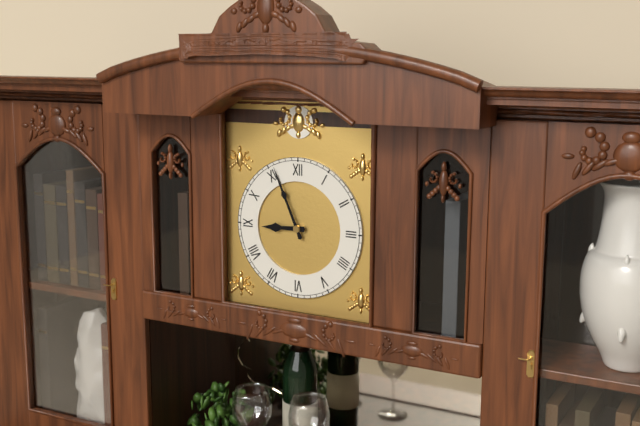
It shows 8.56
